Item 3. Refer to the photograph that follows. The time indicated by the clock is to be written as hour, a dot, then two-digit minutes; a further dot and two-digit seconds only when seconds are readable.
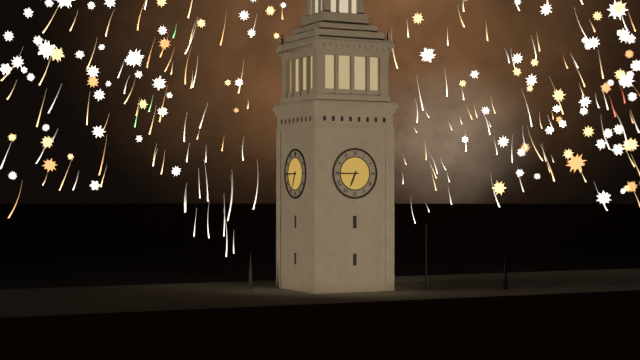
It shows 6.45
